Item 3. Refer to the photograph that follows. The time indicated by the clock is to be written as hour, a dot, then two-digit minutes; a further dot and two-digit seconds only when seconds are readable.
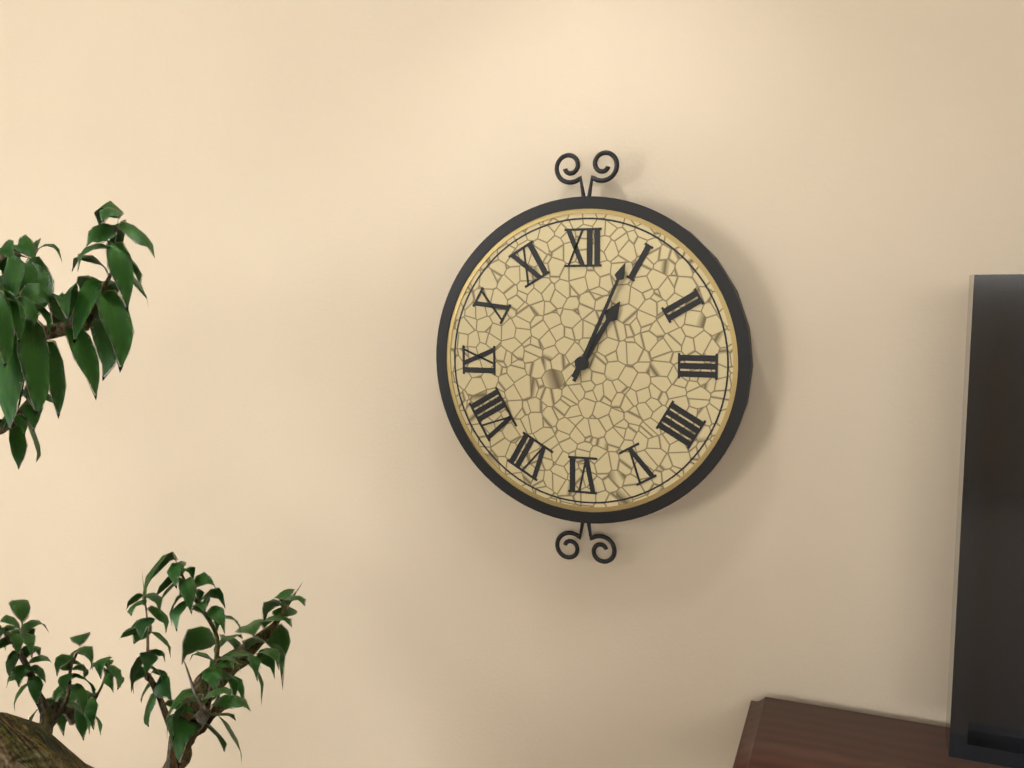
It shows 1.04
